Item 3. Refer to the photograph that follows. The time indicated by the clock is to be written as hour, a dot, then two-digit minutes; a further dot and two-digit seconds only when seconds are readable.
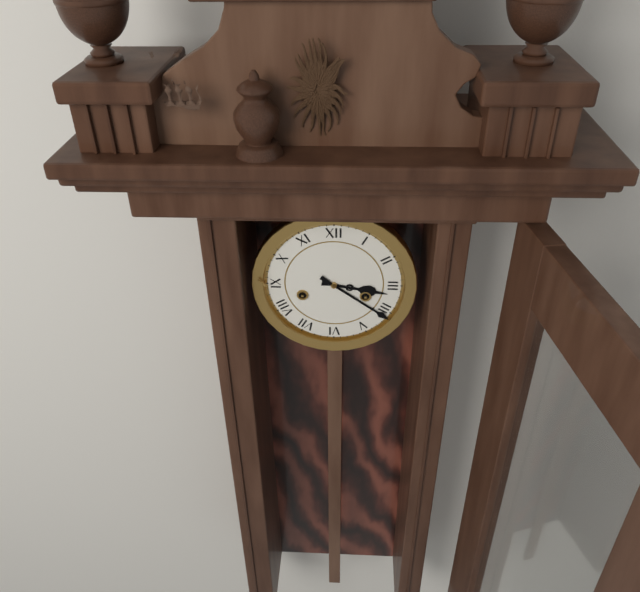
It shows 3.21
